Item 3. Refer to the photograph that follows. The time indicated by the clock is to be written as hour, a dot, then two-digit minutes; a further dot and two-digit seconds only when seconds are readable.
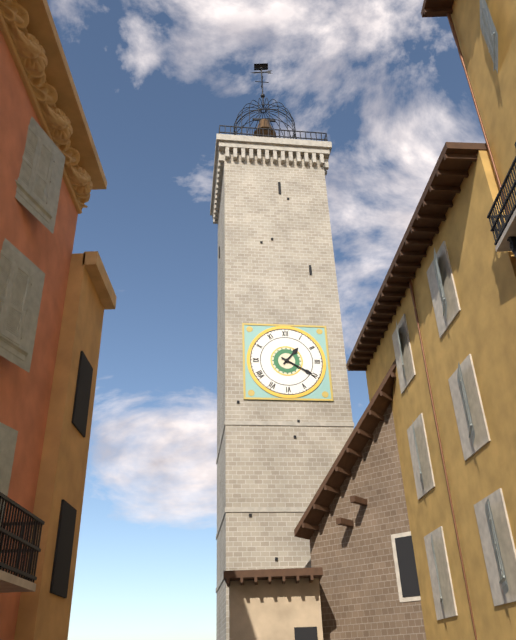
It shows 1.20
